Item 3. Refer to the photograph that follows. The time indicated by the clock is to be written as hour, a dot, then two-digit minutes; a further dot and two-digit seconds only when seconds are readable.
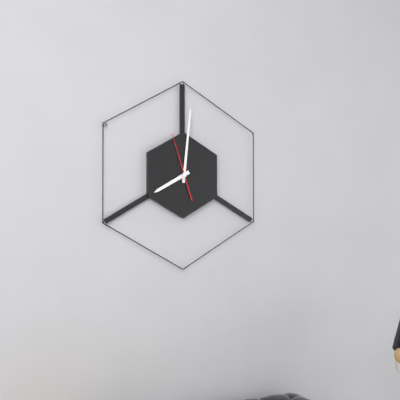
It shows 8.01.57
